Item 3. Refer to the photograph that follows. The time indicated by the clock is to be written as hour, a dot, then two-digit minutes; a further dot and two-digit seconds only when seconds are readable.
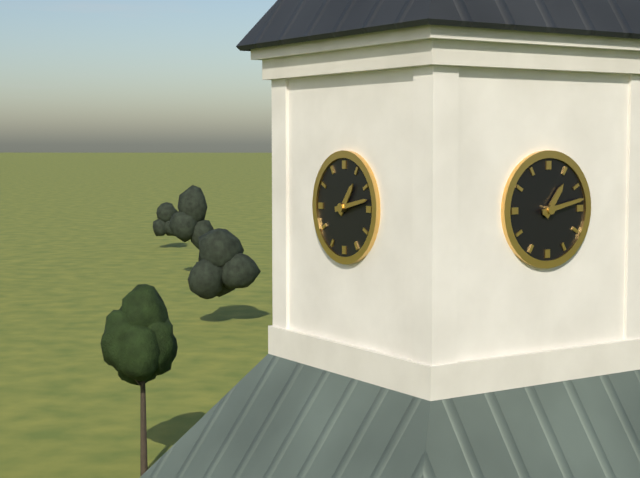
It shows 1.13
